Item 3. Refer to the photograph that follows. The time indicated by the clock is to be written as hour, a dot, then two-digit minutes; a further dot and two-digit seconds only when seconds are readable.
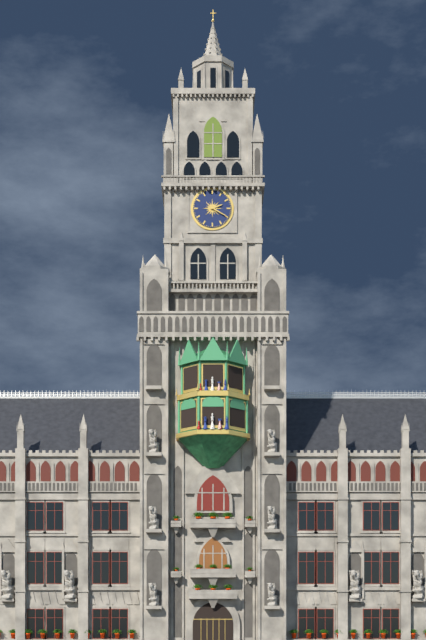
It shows 2.20
